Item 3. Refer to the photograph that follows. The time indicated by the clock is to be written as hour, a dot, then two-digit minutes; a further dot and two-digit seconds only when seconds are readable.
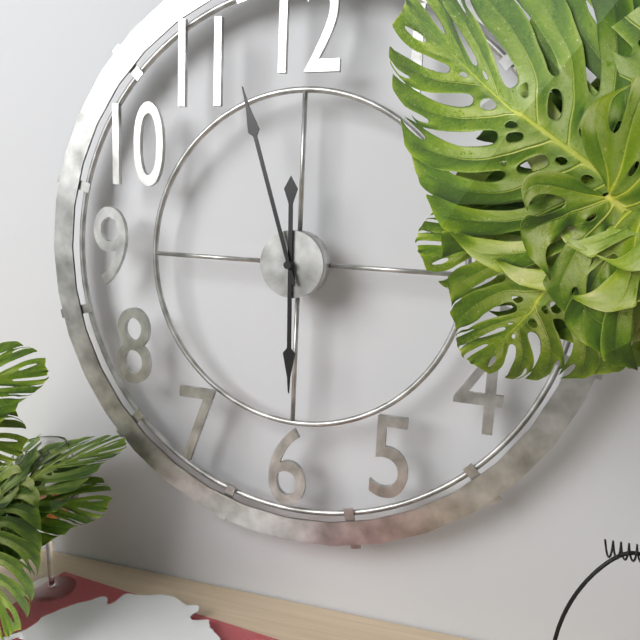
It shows 5.57
